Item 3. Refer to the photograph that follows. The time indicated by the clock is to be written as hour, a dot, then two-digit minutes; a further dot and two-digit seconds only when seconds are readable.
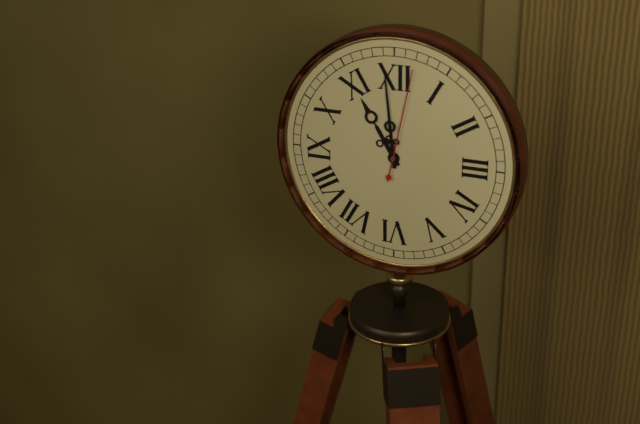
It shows 10.59.02
